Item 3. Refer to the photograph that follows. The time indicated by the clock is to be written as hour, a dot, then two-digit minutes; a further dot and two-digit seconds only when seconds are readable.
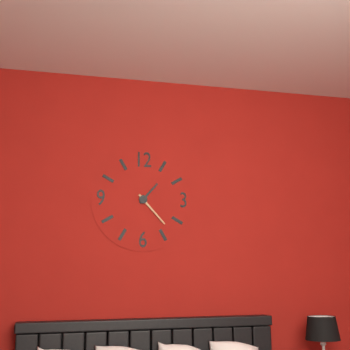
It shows 1.23
